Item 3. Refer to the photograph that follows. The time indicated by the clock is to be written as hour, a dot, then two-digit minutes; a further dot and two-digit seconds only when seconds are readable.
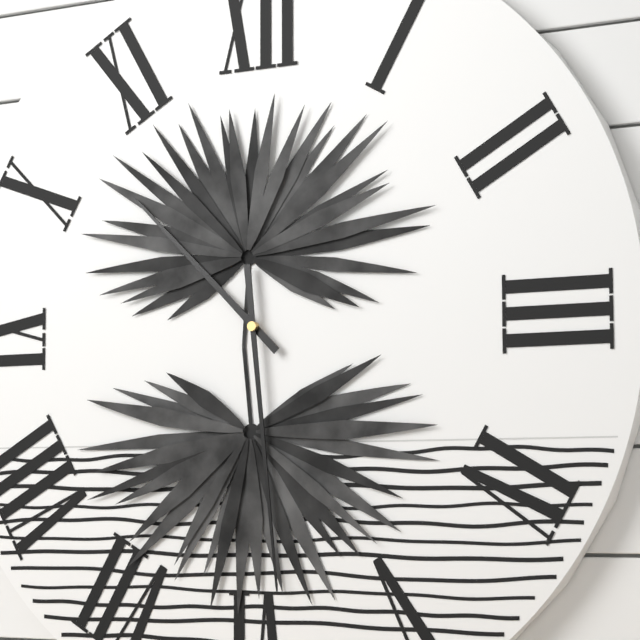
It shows 10.29
